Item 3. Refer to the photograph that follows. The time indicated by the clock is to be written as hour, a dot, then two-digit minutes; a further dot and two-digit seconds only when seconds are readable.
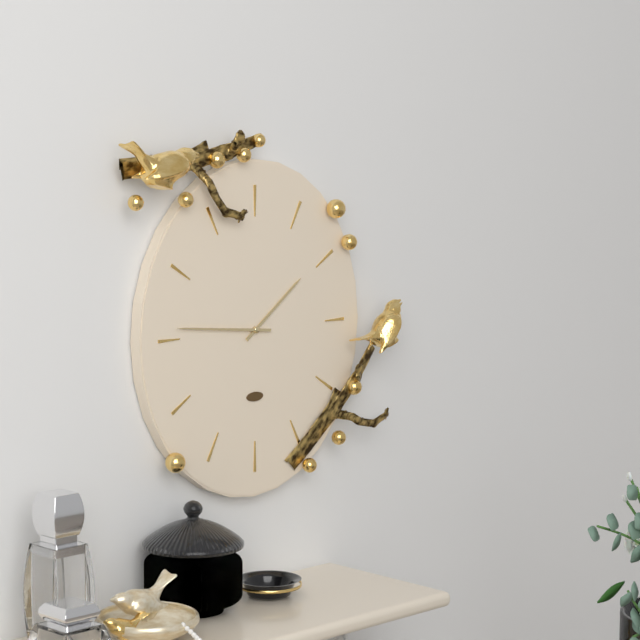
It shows 1.46
